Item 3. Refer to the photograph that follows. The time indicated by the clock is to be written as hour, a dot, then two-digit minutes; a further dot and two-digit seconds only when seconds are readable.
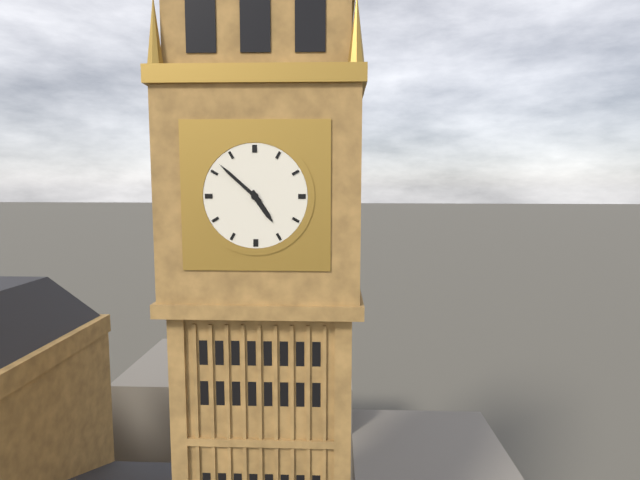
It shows 4.52
